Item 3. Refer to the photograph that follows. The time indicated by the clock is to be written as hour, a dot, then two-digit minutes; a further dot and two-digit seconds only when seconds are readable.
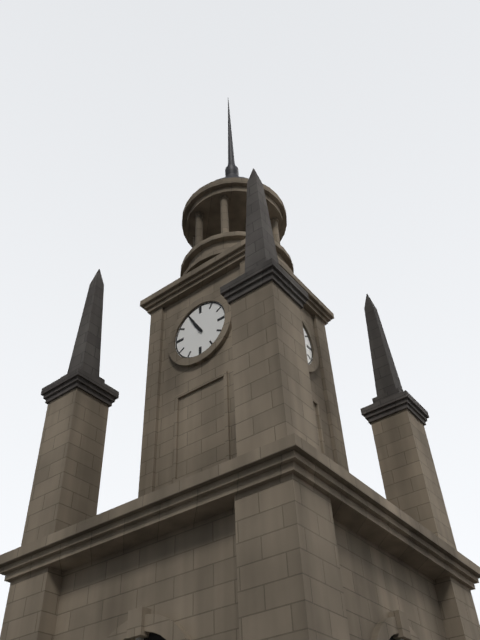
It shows 10.55
